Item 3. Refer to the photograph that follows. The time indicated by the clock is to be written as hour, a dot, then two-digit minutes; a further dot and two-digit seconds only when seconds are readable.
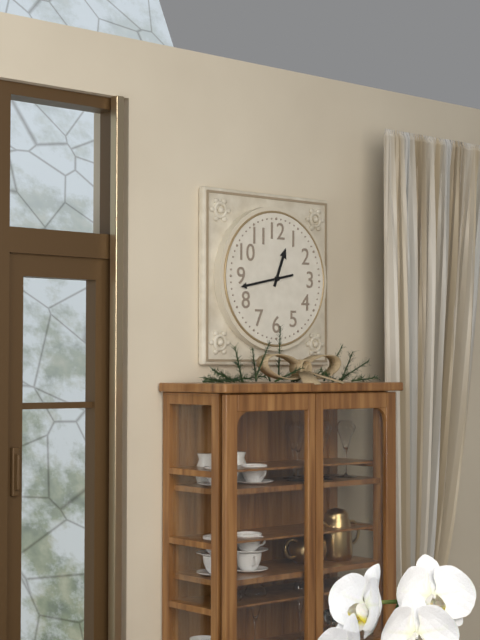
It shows 12.43
